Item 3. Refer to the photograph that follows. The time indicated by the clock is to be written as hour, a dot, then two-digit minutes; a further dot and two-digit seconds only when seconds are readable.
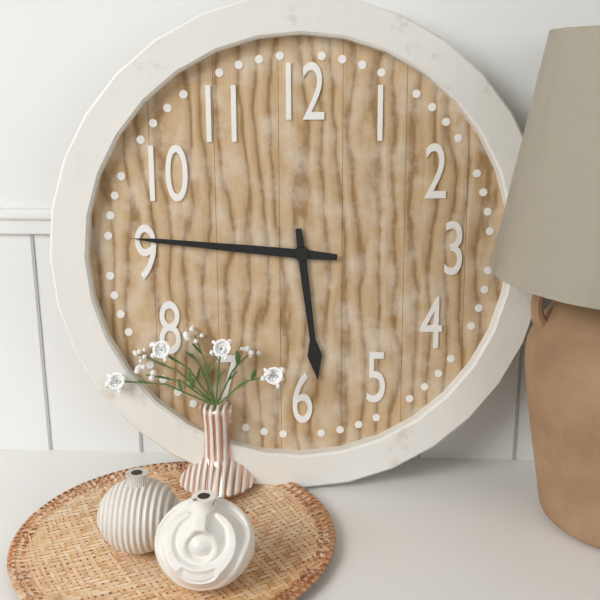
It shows 5.46
